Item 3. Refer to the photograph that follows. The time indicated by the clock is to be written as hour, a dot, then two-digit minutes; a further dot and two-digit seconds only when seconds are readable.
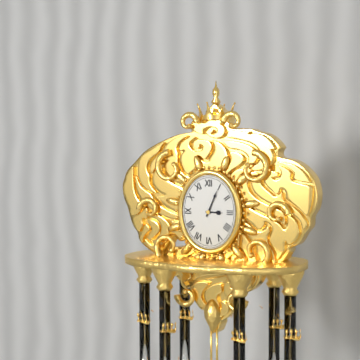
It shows 3.04
